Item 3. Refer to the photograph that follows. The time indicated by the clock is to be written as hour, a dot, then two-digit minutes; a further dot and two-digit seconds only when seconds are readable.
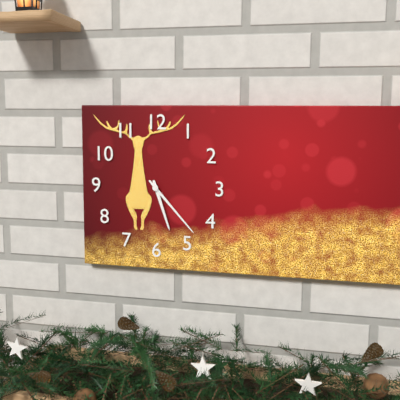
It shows 5.23
